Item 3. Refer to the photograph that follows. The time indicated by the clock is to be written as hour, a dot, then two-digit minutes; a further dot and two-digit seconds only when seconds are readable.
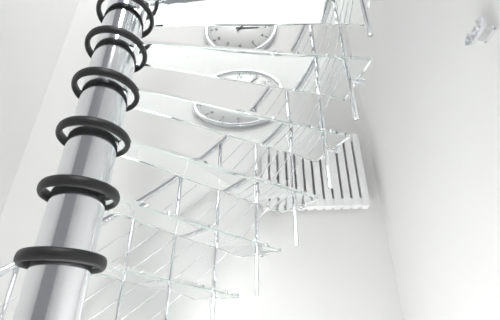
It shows 3.06
